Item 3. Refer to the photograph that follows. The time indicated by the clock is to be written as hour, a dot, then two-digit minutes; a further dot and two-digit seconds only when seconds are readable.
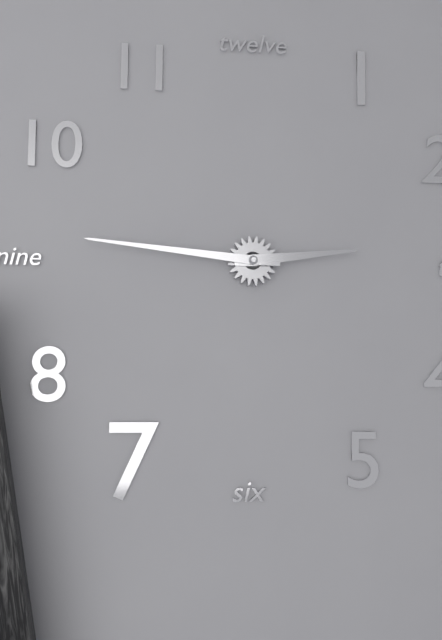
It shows 2.46
